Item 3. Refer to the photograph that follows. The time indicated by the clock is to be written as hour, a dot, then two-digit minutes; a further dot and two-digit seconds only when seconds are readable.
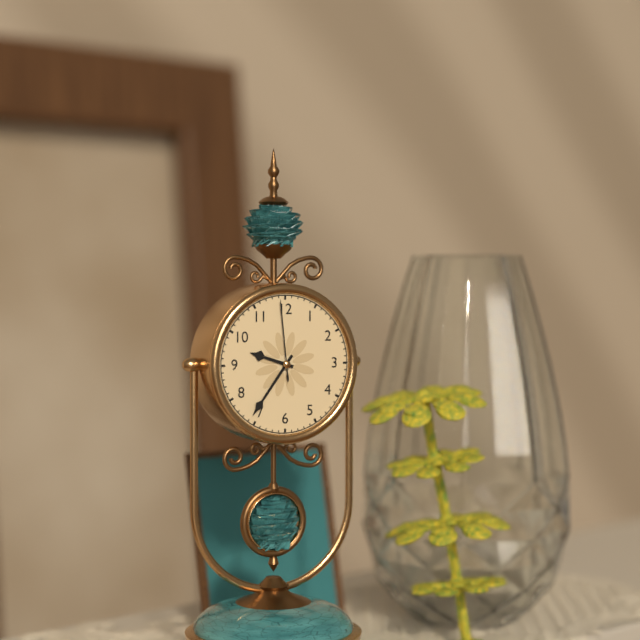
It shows 9.36.59
